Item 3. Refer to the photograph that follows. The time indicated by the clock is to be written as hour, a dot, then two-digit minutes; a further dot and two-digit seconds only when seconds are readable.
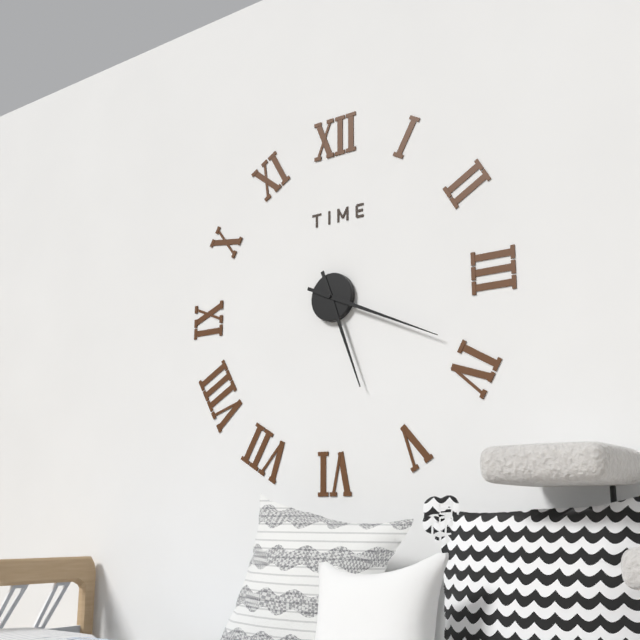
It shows 5.19
